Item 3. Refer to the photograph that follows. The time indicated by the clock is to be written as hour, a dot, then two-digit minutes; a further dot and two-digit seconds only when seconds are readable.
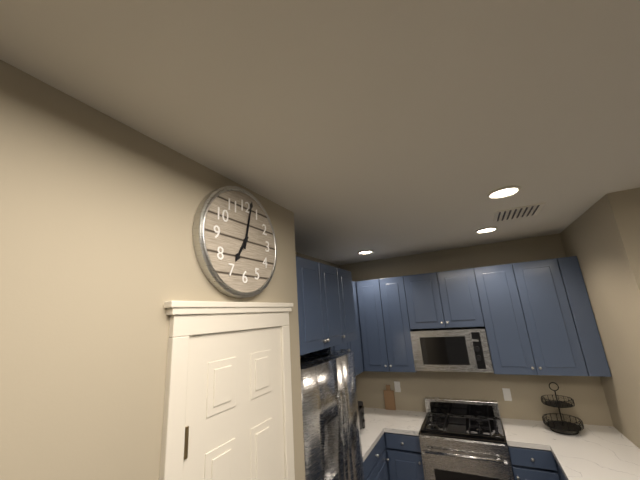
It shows 7.02
